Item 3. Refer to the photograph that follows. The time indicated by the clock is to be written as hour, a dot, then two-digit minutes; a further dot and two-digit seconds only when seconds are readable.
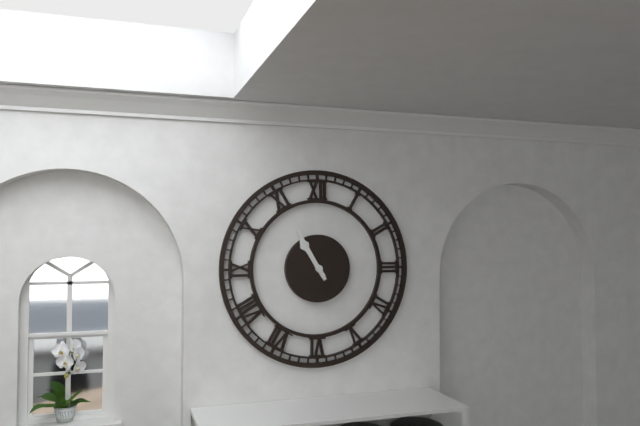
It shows 10.55
